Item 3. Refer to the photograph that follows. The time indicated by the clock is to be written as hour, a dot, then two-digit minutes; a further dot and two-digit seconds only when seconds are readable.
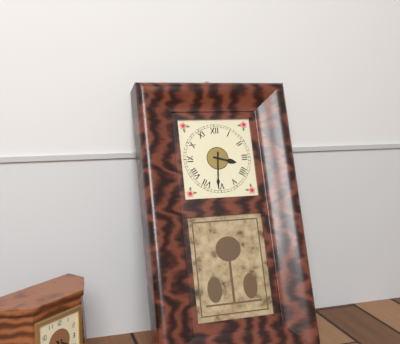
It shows 3.31
